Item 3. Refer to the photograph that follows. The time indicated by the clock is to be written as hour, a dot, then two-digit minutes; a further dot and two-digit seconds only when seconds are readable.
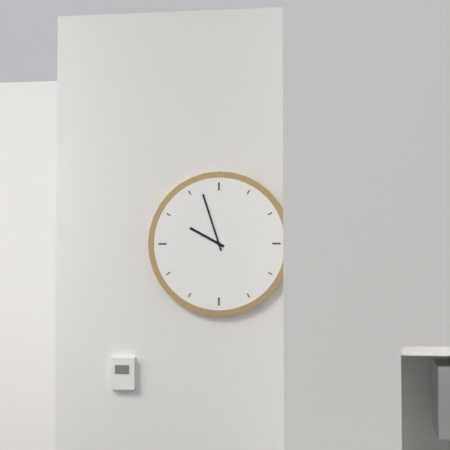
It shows 9.57
